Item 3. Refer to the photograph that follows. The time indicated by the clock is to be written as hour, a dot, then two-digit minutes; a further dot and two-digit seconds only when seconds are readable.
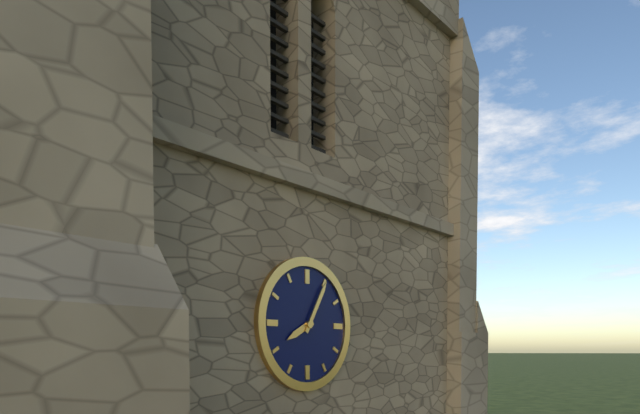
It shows 8.05
